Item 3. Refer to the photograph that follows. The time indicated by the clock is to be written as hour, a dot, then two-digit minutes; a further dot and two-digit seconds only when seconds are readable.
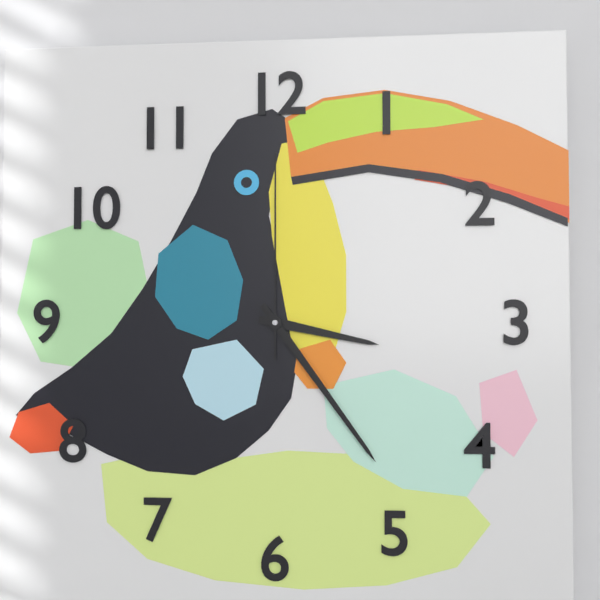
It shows 3.24.00
